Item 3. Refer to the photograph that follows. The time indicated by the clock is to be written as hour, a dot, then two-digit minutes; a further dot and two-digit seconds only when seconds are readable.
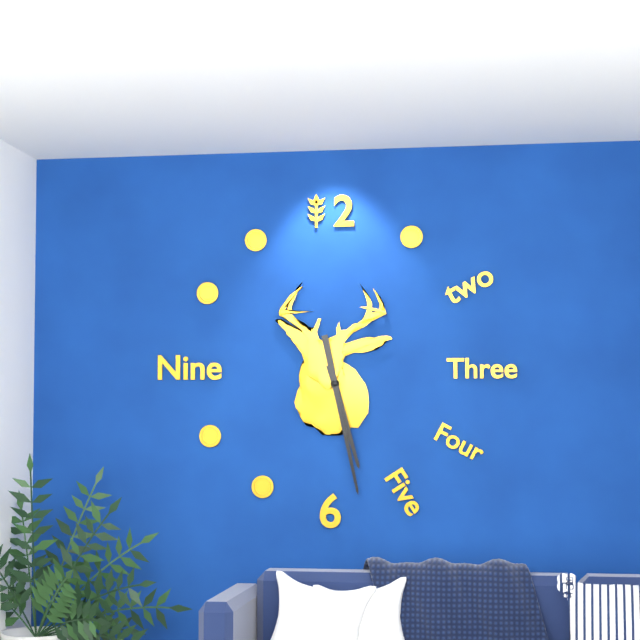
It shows 5.28
